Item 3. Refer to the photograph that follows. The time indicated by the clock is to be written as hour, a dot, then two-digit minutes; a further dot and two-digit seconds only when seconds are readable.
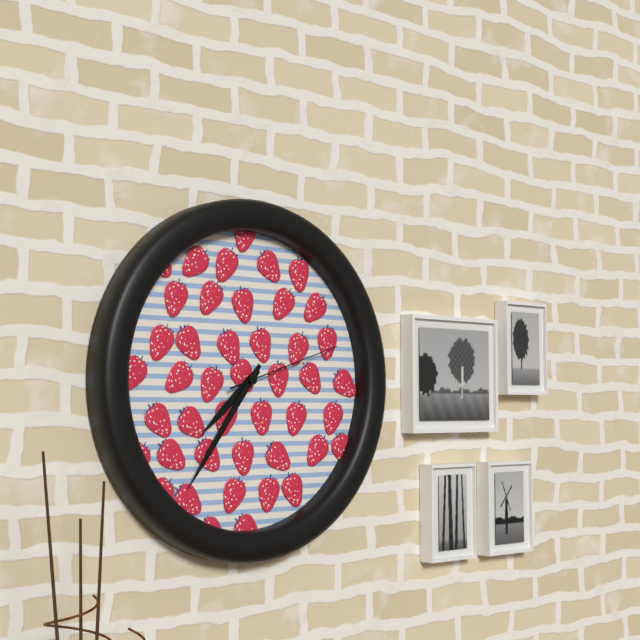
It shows 7.36.12
